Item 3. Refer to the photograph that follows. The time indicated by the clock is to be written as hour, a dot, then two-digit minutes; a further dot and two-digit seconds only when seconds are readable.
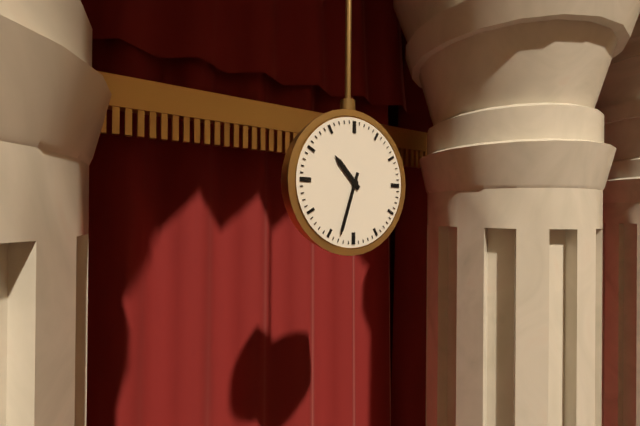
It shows 10.33
